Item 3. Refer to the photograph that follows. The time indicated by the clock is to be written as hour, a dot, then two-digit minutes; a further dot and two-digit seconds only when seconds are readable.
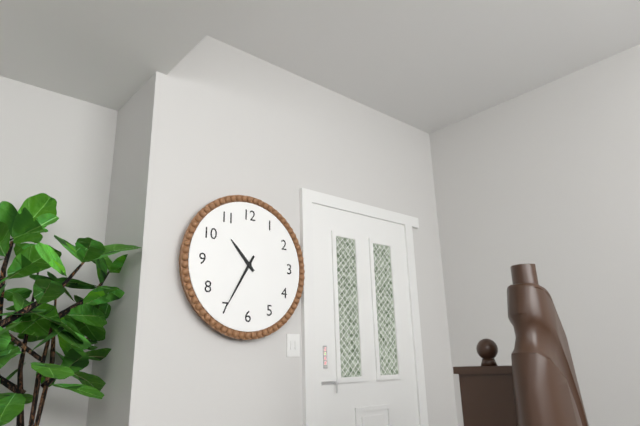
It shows 10.35
